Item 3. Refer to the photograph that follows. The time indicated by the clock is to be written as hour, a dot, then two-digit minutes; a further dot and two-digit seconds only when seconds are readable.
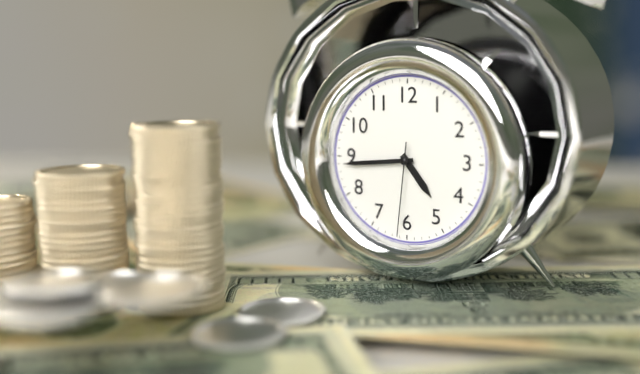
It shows 4.44.31
